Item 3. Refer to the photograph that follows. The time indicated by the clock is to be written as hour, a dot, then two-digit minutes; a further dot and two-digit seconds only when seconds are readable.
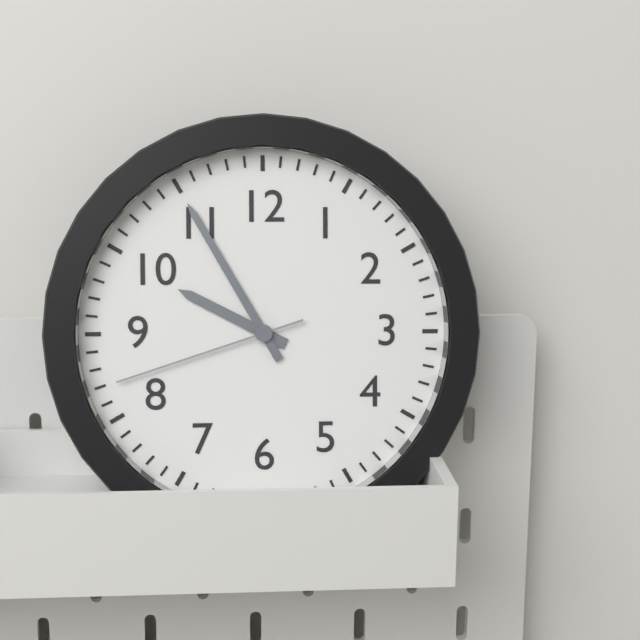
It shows 9.55.42
